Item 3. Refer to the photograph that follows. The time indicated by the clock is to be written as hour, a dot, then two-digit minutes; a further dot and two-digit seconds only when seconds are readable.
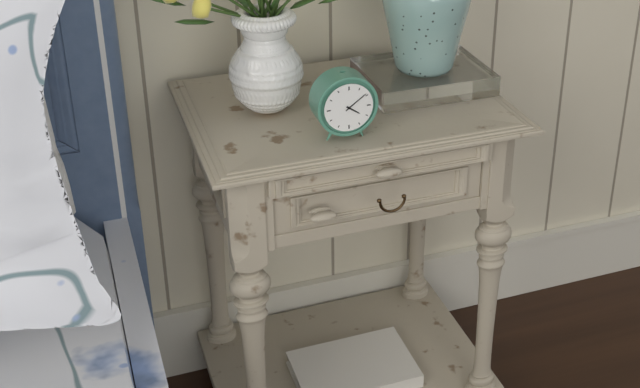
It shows 4.09
